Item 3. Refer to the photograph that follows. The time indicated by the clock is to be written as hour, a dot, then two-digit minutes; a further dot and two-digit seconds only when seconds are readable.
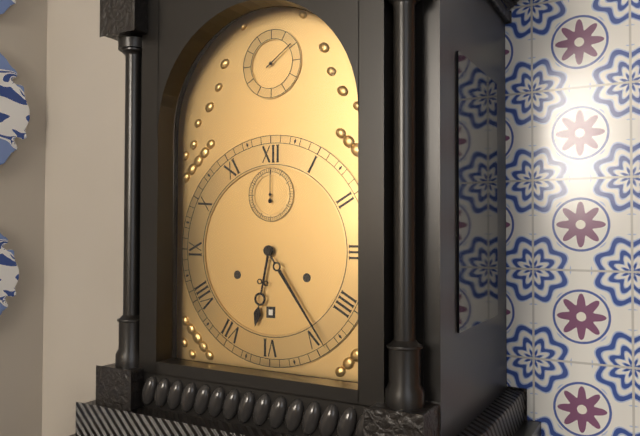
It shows 6.24
